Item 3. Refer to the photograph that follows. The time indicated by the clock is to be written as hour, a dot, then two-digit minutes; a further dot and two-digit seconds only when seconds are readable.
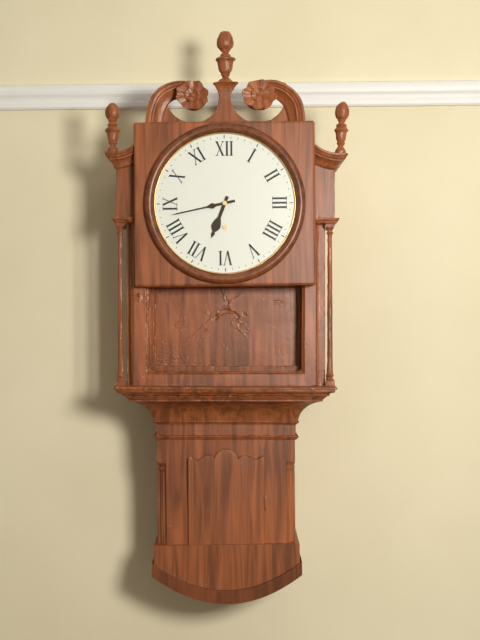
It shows 6.43
